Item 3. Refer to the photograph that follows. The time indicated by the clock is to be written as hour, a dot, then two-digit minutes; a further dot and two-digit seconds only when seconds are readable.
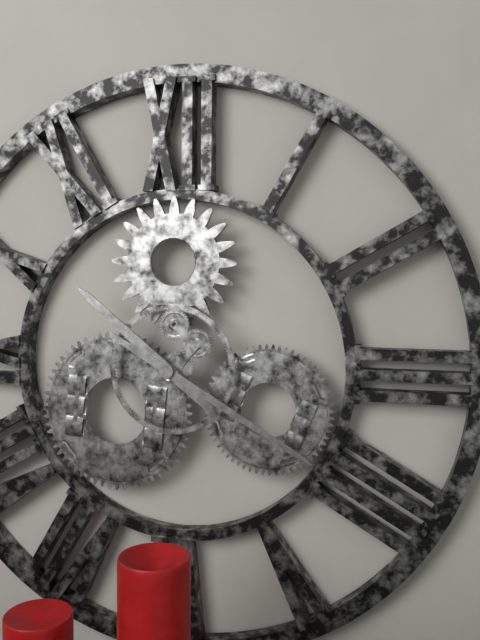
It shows 10.20
